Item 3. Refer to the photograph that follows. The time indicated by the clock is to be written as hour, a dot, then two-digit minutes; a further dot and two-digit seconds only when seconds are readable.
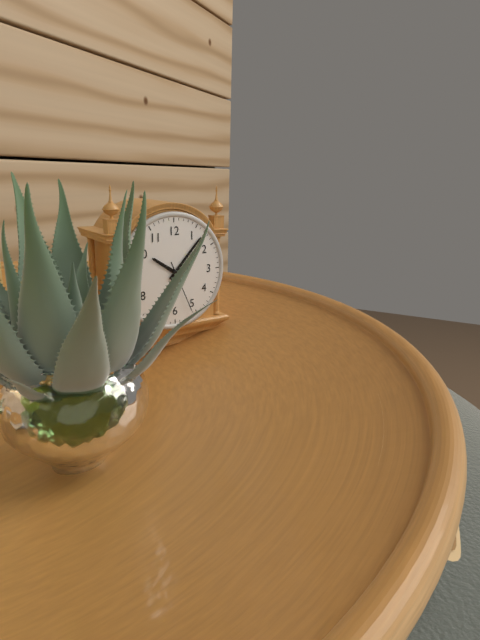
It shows 10.07.26
